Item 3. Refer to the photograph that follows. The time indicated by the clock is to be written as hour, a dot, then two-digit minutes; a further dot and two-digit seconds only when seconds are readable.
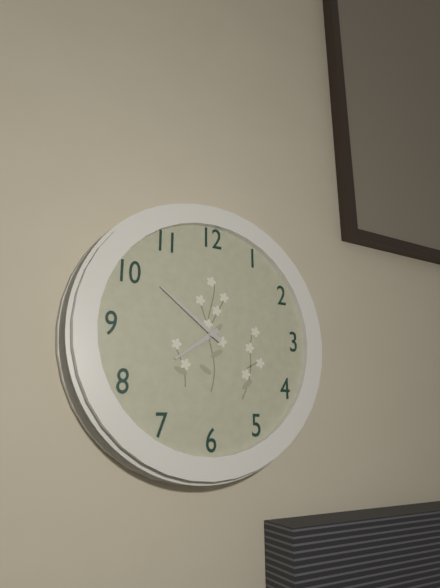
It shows 7.51
